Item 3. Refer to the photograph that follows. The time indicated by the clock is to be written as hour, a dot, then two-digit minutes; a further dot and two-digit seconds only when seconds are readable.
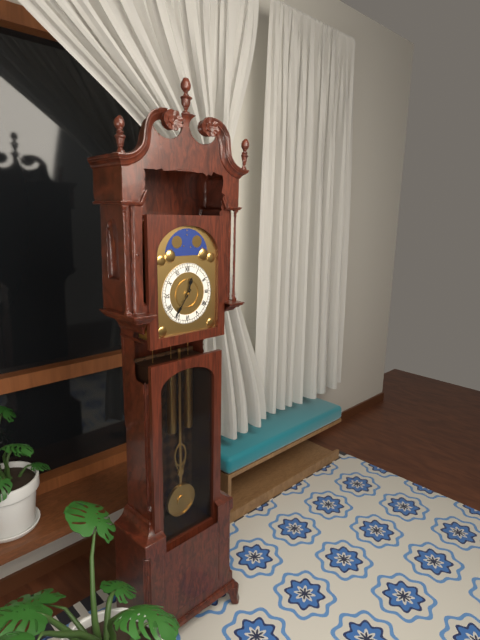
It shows 12.36
